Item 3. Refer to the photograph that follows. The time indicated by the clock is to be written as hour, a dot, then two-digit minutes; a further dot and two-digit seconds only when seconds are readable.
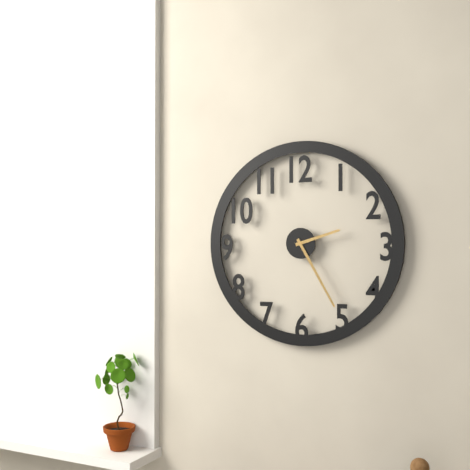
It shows 2.25
